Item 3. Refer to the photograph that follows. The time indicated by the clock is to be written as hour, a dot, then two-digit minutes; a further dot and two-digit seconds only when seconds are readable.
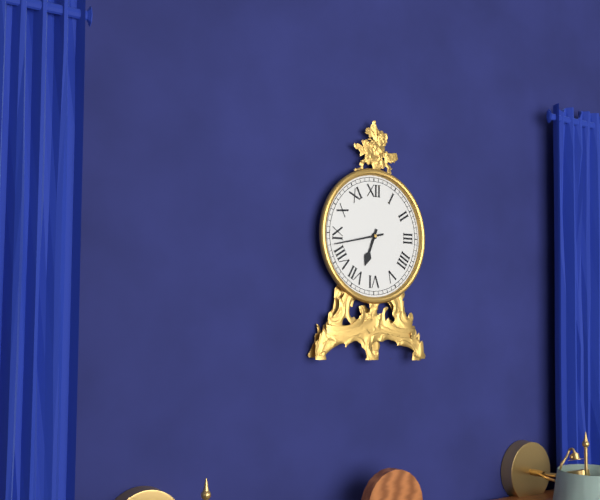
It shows 6.43
